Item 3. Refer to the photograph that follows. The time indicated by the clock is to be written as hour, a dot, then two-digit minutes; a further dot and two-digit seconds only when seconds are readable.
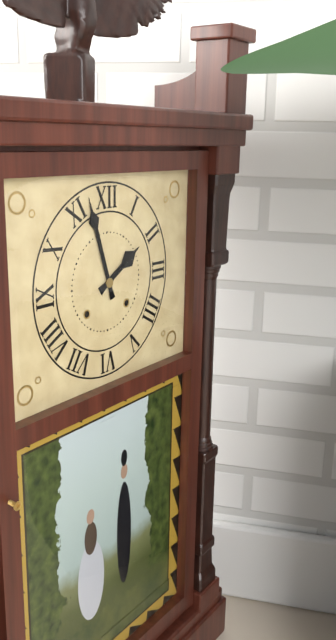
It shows 1.57
